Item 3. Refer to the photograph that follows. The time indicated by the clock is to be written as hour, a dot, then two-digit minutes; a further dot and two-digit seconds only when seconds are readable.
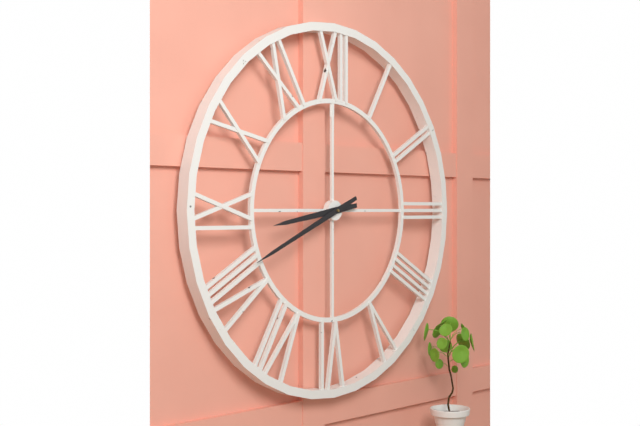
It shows 8.41
